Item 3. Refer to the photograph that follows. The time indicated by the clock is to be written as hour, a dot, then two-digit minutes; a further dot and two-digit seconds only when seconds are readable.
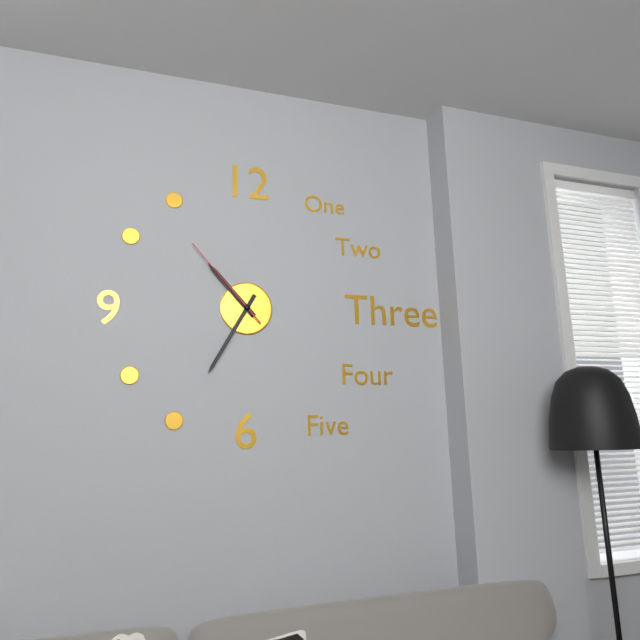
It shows 10.35.53
